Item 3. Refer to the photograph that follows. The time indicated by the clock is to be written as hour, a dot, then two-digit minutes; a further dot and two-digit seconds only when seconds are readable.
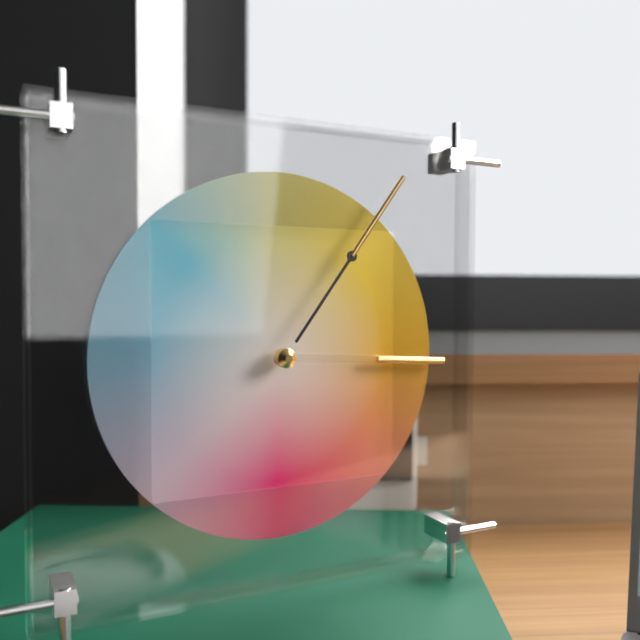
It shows 3.06
